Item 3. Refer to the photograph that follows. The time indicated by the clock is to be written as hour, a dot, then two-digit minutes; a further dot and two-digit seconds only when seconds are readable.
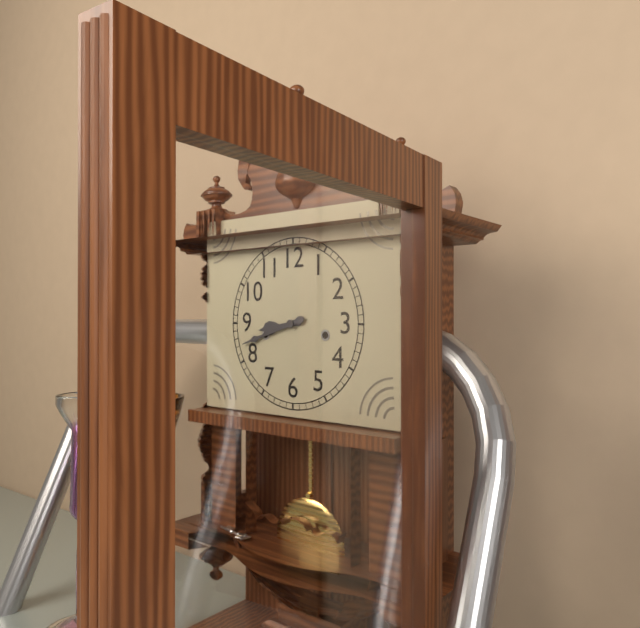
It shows 8.42
